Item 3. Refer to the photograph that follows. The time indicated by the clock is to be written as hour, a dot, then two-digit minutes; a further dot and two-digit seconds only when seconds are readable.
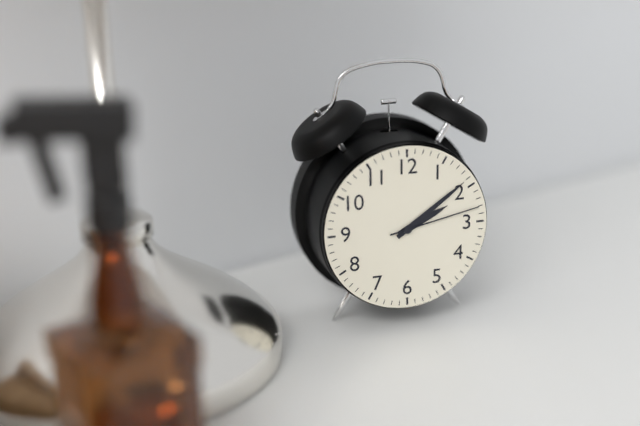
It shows 2.09.13
